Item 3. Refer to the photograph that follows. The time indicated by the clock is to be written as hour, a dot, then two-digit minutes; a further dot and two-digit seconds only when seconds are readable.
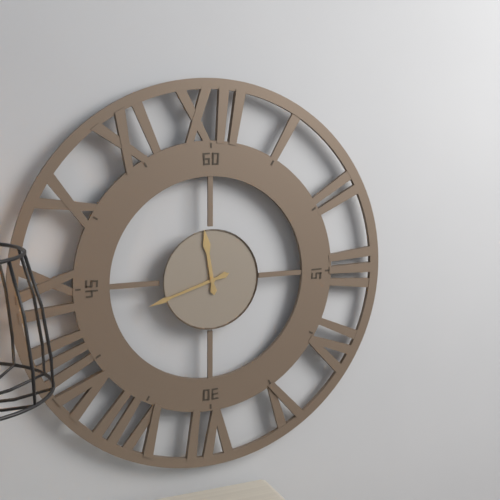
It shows 11.42
